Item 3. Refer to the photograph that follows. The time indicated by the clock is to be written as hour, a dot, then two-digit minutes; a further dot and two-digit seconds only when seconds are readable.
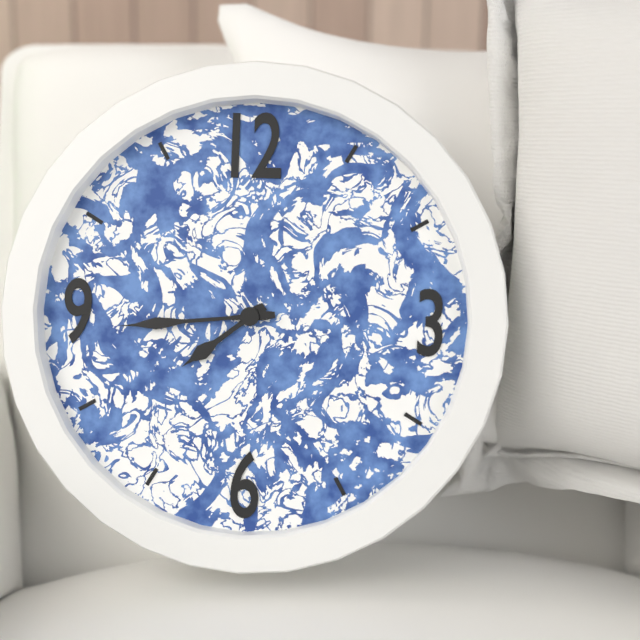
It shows 7.44
